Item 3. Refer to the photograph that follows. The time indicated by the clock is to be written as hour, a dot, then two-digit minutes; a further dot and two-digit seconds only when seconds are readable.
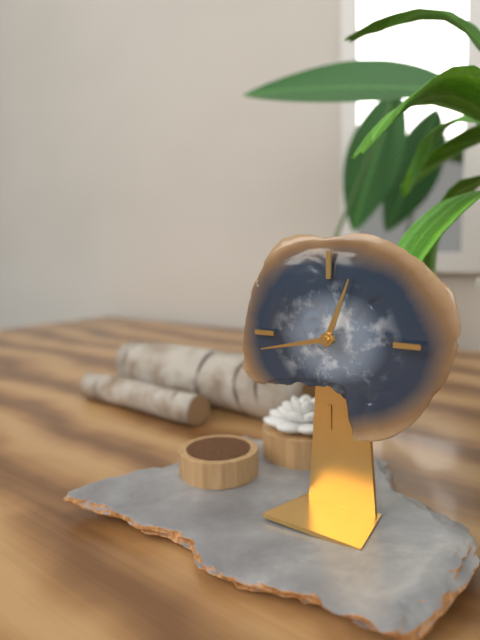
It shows 12.43
